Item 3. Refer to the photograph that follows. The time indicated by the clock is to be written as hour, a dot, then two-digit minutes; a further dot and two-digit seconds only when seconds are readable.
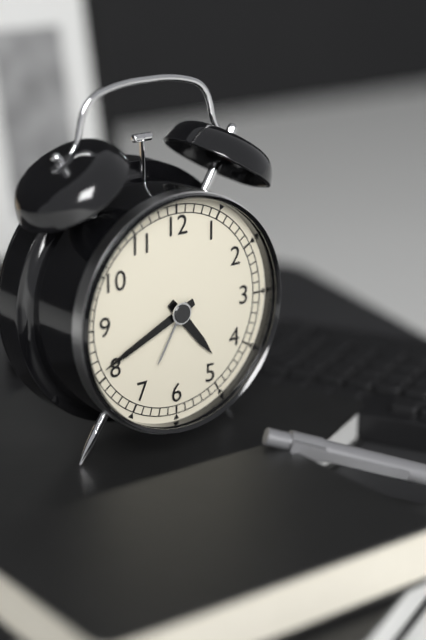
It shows 4.41
